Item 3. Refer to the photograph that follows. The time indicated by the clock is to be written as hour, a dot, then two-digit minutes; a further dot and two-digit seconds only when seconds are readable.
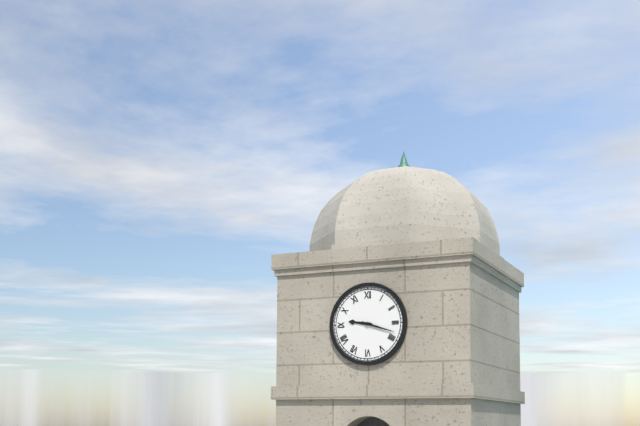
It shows 9.18
